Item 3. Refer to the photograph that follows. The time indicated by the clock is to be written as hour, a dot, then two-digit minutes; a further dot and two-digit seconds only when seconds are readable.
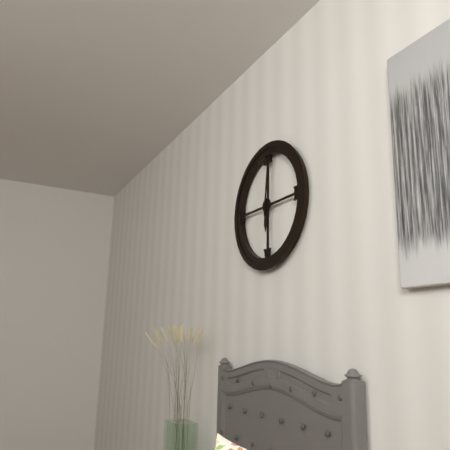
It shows 6.01
